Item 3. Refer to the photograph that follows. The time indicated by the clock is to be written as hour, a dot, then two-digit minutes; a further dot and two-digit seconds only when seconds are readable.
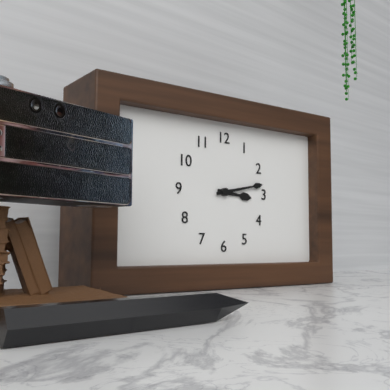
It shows 3.13
